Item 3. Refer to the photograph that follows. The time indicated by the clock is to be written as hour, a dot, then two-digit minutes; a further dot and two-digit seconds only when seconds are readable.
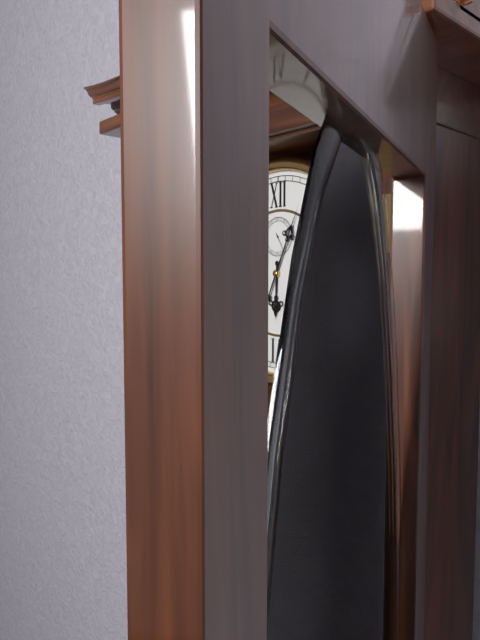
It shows 6.04
